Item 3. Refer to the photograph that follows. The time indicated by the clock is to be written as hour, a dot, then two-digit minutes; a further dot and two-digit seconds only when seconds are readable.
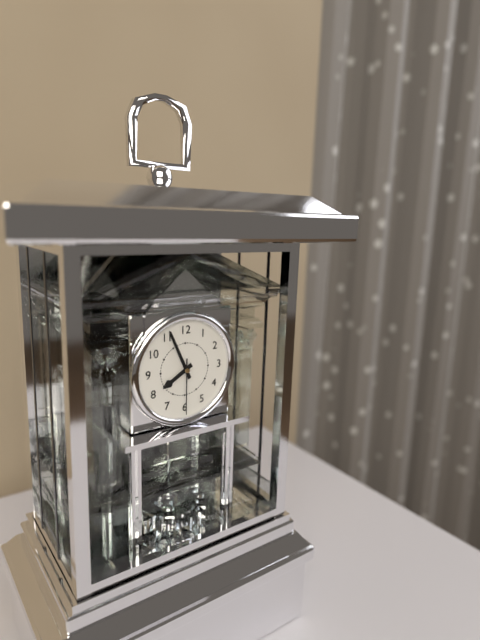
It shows 7.56.30
